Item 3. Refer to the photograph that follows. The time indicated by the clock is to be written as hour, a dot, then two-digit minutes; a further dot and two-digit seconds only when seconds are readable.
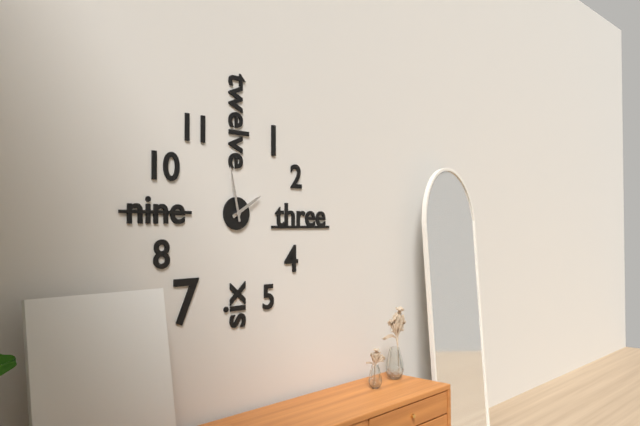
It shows 1.58
